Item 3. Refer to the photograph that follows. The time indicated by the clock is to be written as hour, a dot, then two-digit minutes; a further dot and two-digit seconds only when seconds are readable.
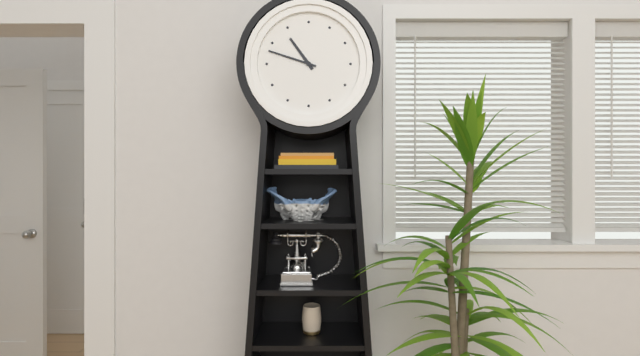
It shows 10.48
